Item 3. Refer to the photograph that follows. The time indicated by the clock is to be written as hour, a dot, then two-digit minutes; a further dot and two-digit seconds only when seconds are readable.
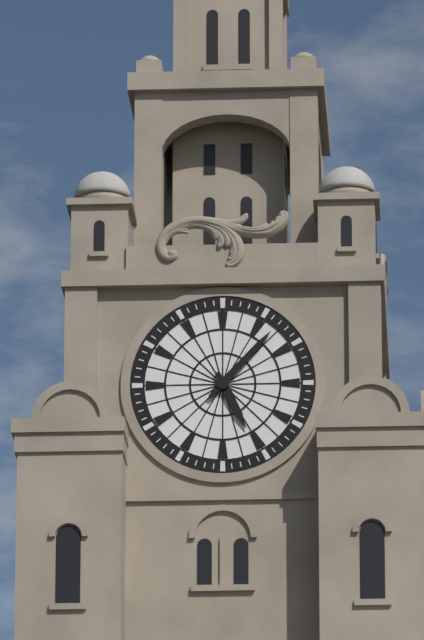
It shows 5.07
